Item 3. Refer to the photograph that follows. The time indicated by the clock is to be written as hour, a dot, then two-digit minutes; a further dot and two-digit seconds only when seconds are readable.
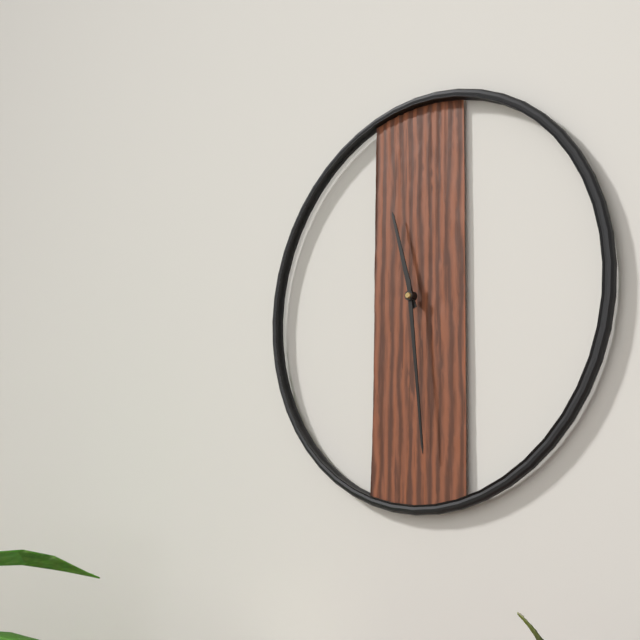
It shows 11.29
